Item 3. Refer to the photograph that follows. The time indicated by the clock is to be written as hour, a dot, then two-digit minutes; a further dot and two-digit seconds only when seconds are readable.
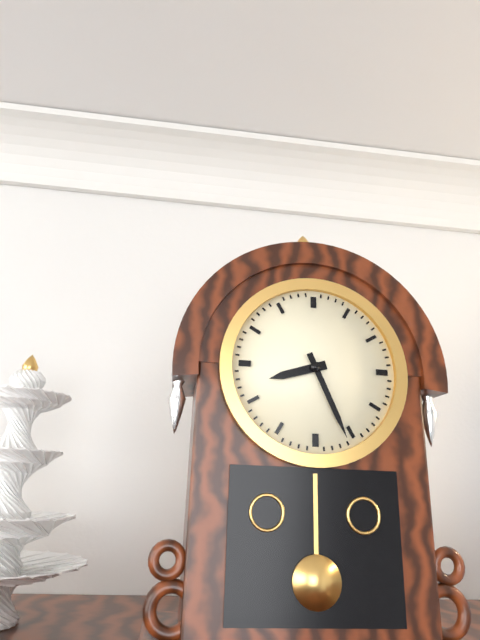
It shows 8.26
